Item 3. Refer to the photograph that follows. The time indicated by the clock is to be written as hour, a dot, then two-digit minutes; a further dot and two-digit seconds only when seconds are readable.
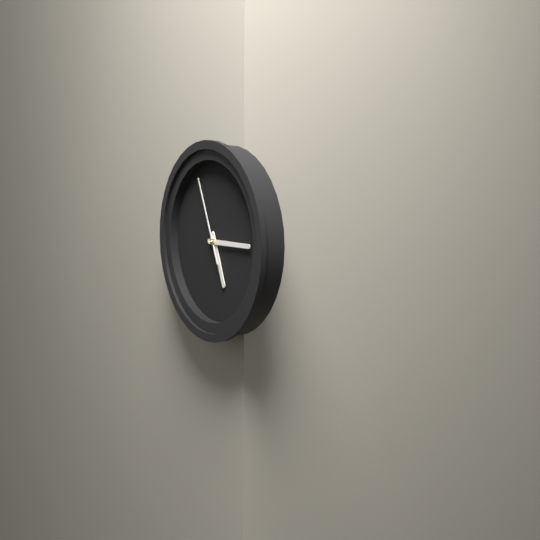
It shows 5.15.56
